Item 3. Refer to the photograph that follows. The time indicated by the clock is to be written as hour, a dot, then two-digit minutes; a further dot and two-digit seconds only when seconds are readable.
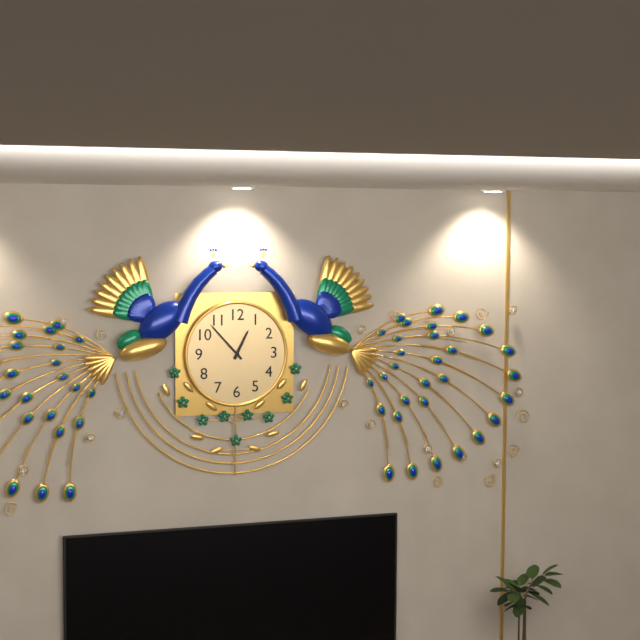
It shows 12.53
